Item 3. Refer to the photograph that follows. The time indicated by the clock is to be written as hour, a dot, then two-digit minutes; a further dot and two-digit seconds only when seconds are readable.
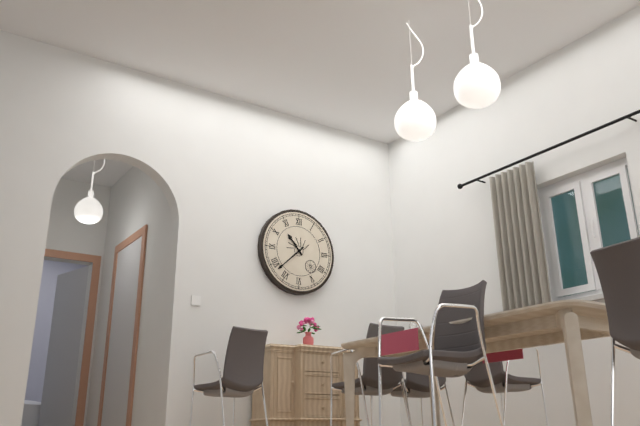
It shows 10.38
